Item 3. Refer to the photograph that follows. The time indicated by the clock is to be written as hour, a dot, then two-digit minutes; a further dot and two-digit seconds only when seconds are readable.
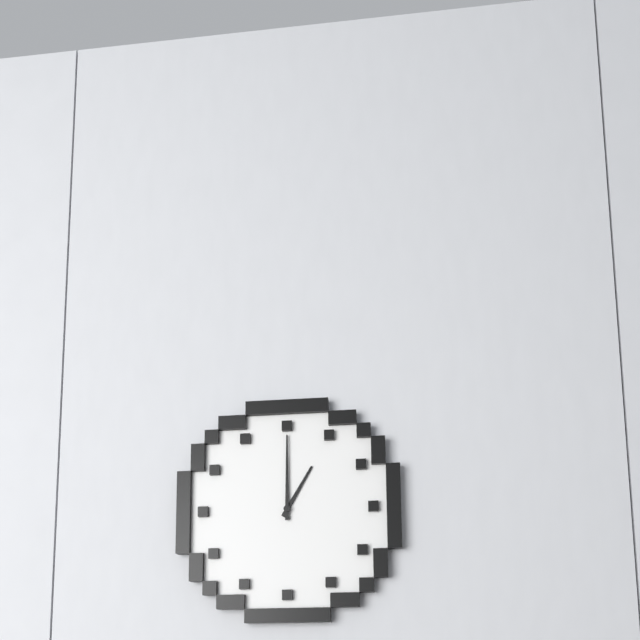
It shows 1.00
